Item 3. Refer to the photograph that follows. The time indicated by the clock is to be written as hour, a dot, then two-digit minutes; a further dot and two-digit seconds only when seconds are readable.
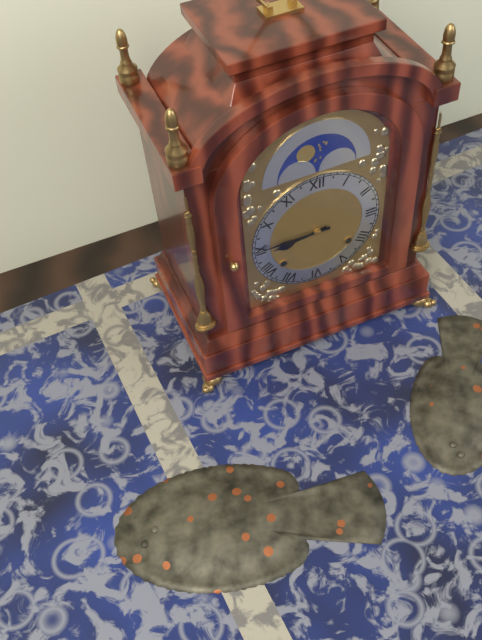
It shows 8.45
